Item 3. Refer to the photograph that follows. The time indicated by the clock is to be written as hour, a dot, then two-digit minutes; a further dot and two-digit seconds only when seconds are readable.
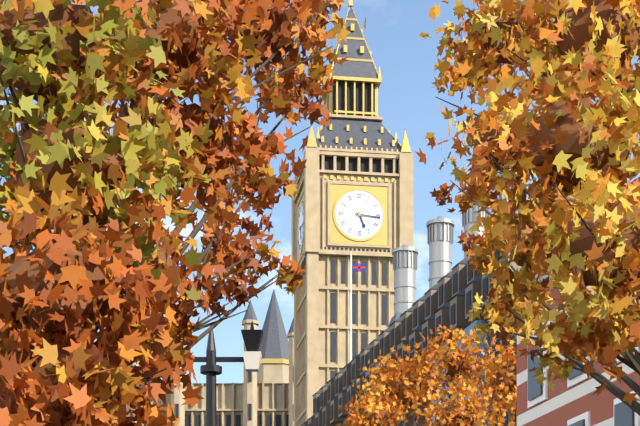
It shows 5.16
